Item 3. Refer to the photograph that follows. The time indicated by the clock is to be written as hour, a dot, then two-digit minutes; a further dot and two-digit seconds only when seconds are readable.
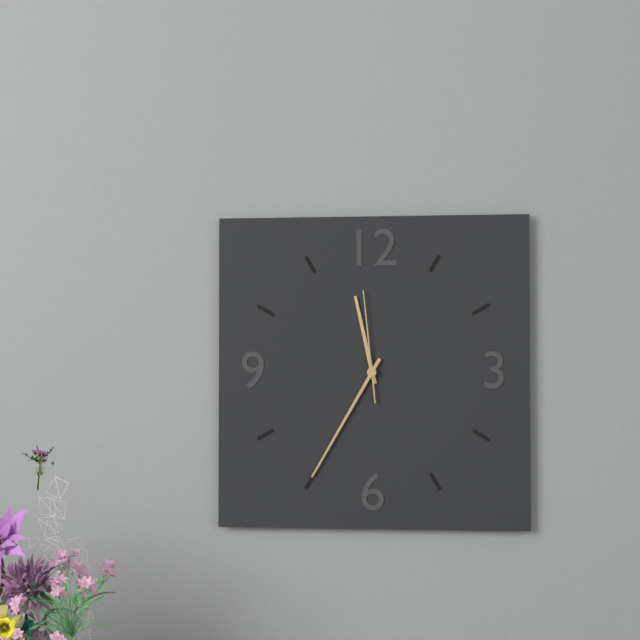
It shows 11.35.59
